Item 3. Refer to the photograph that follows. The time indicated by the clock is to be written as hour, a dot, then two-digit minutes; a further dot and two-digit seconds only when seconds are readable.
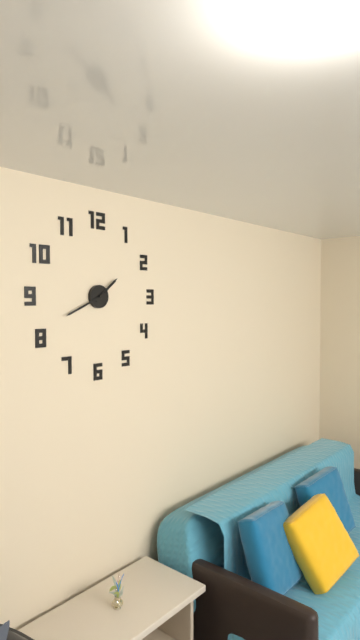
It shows 1.41
